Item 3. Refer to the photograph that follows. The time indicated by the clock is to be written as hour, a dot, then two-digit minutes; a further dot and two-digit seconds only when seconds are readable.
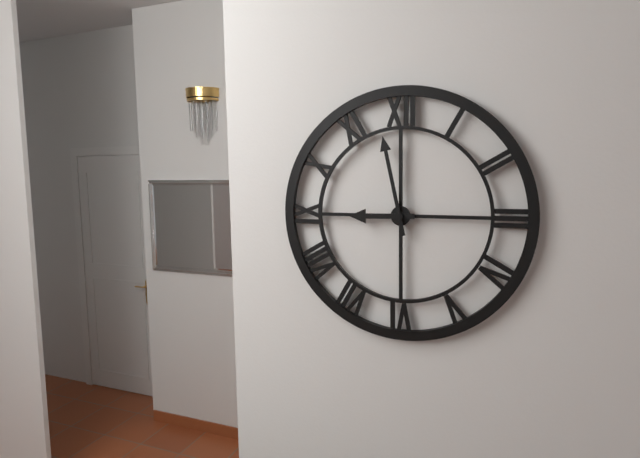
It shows 8.58
